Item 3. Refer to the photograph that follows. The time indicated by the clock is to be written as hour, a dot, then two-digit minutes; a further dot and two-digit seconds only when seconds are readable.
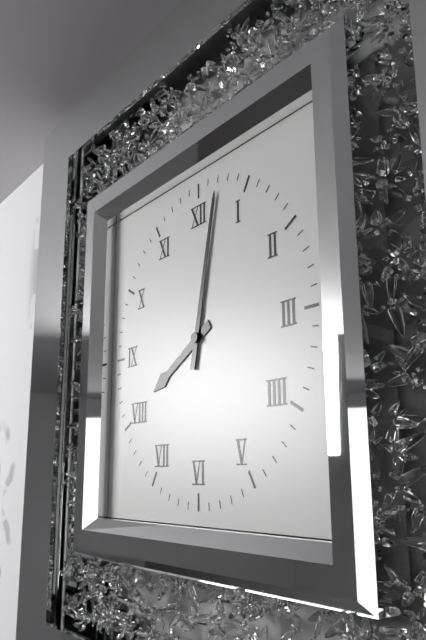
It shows 8.02
